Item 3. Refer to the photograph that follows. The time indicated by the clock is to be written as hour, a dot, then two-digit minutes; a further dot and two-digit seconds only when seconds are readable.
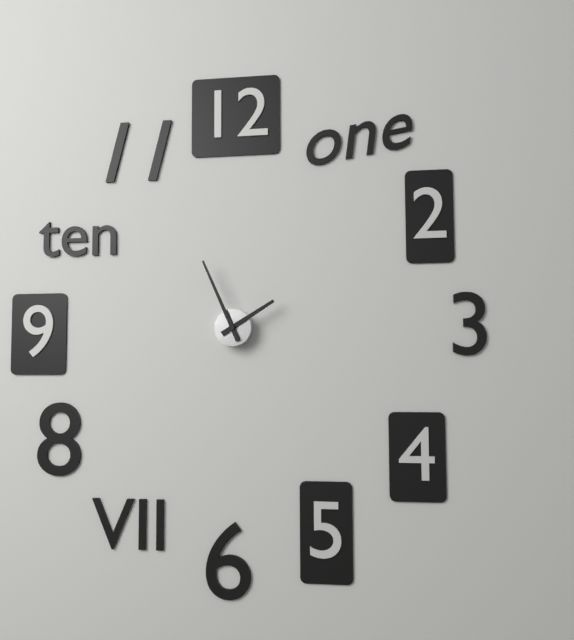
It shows 1.56
